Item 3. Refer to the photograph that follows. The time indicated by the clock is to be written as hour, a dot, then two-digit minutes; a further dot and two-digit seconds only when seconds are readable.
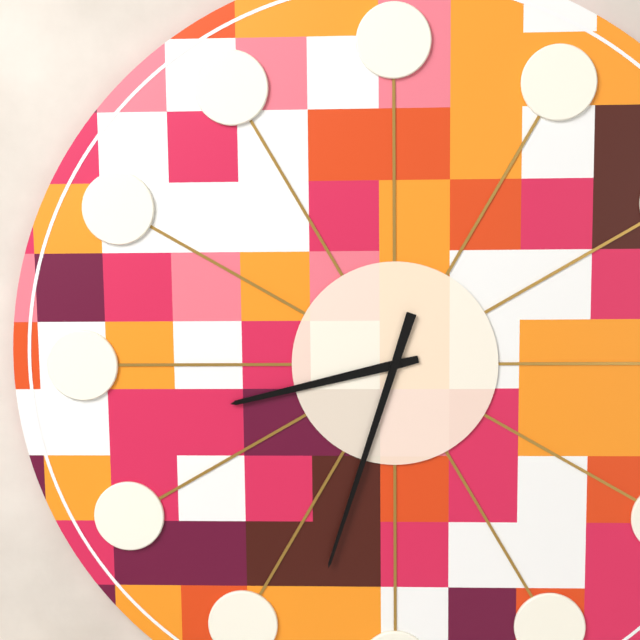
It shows 8.33
